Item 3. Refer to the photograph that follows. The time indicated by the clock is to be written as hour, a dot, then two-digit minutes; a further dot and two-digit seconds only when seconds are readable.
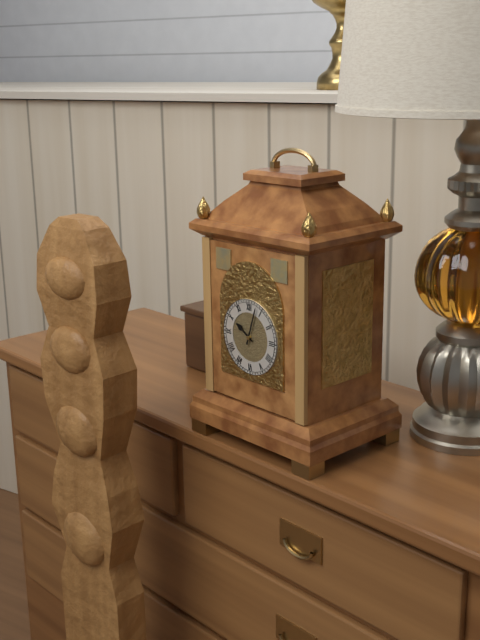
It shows 10.03
